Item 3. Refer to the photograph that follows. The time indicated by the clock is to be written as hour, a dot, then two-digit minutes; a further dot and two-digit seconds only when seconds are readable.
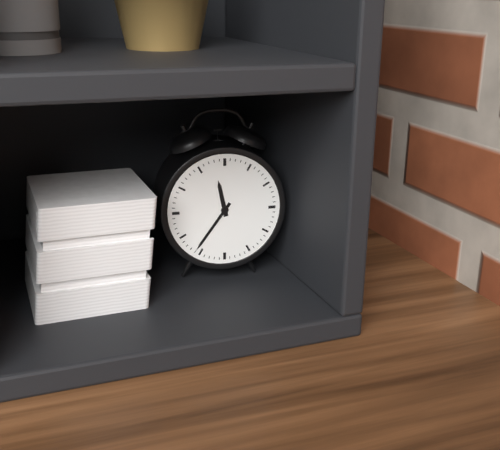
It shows 11.36
